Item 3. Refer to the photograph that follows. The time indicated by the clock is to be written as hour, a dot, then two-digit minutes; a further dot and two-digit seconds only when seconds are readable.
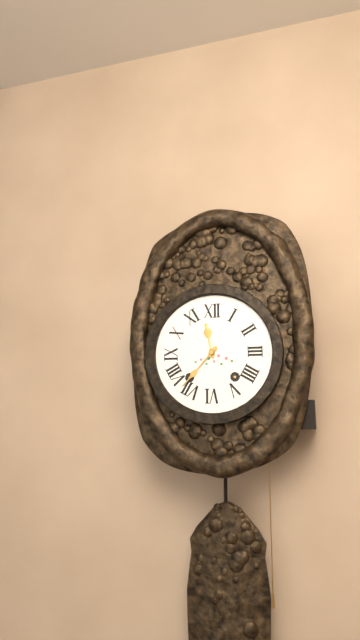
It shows 11.37
